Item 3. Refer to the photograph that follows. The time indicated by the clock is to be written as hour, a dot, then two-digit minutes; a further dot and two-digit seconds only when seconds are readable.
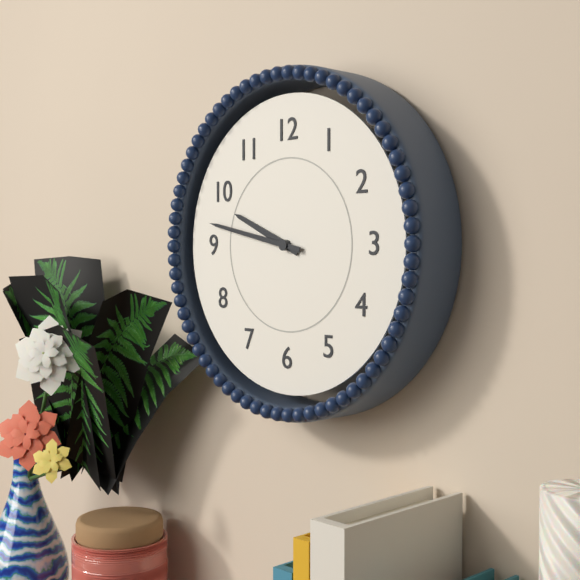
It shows 9.47
